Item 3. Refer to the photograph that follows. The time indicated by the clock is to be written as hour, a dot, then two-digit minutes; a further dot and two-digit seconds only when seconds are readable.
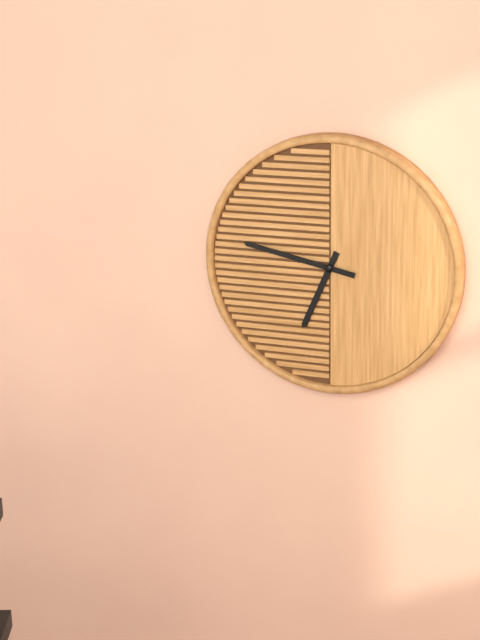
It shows 6.47
